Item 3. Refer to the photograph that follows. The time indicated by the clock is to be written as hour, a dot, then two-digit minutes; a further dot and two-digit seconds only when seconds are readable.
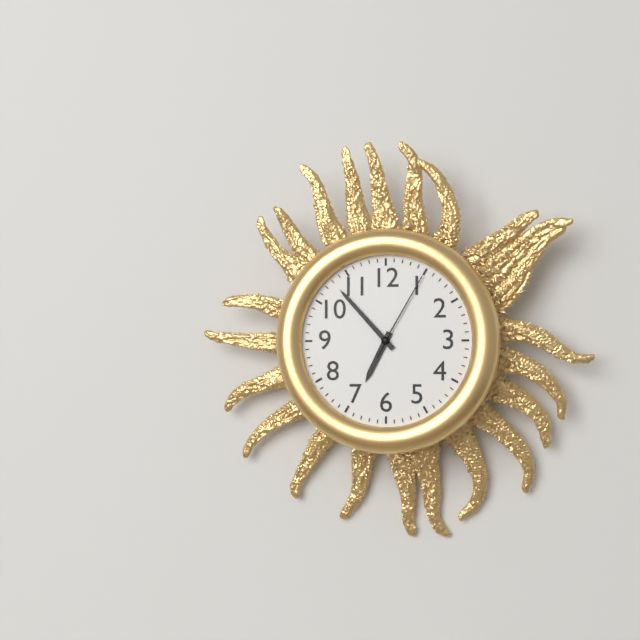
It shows 6.53.05
